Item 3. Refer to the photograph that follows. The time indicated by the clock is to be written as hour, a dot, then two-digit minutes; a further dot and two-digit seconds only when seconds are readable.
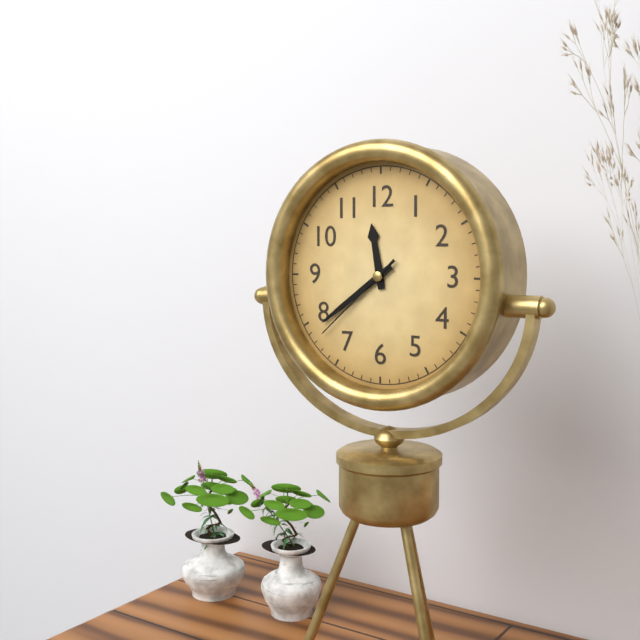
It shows 11.39.38
